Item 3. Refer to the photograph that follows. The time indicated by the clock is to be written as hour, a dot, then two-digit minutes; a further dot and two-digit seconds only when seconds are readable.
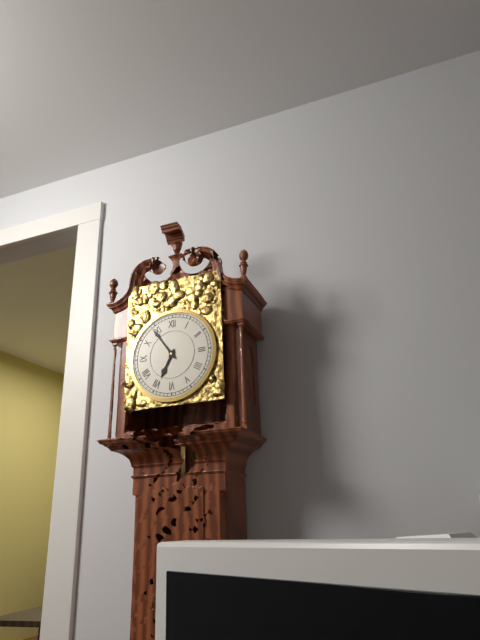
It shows 6.54
